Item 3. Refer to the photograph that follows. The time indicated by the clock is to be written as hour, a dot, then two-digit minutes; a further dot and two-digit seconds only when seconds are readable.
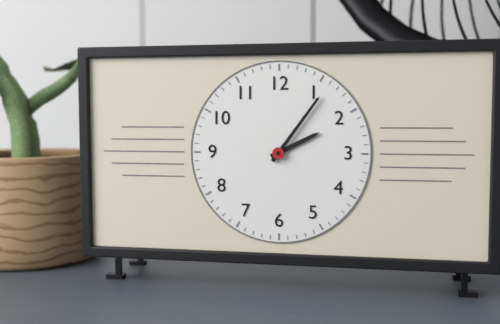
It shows 2.06
